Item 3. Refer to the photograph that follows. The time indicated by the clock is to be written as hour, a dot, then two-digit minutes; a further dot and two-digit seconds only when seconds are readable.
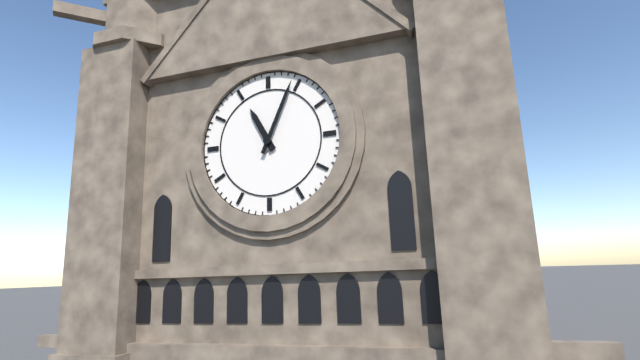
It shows 11.04
